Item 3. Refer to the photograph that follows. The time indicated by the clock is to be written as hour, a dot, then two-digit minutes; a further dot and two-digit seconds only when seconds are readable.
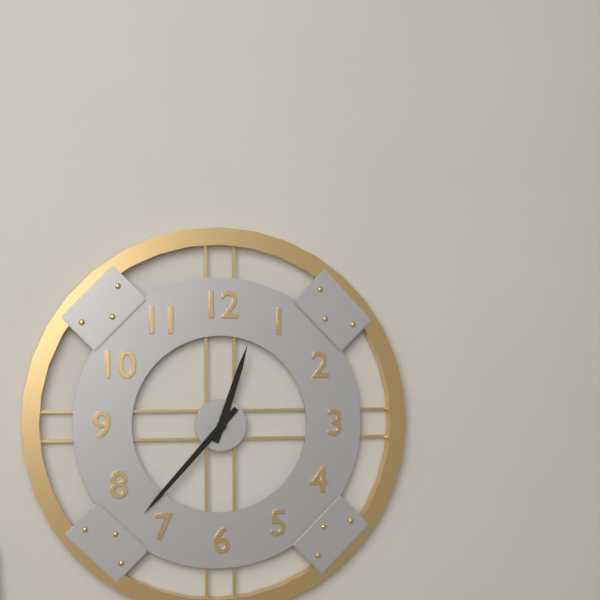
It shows 12.37
